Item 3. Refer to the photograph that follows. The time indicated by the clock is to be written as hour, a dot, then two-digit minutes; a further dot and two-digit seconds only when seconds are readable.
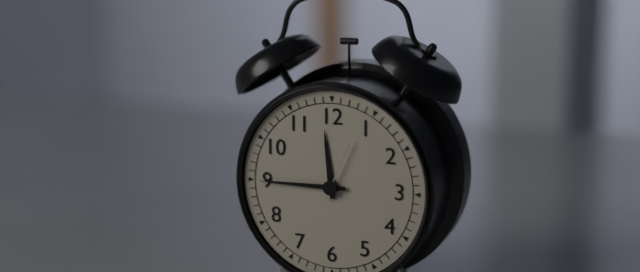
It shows 11.45.04
